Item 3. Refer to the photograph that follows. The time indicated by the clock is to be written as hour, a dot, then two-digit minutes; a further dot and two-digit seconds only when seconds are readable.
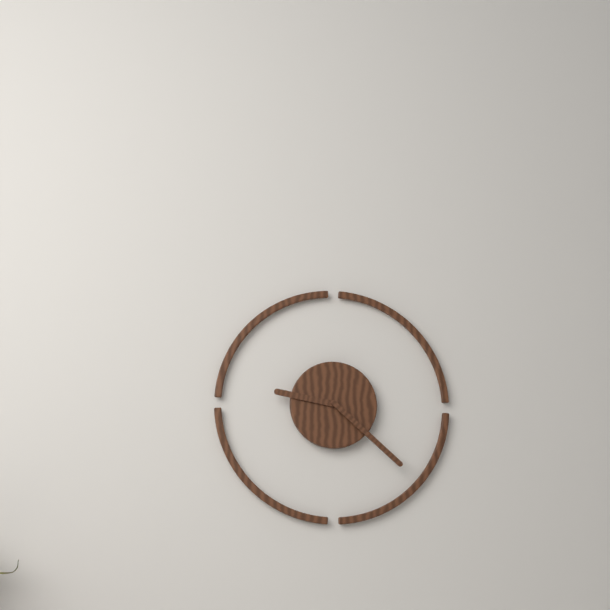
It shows 9.22
